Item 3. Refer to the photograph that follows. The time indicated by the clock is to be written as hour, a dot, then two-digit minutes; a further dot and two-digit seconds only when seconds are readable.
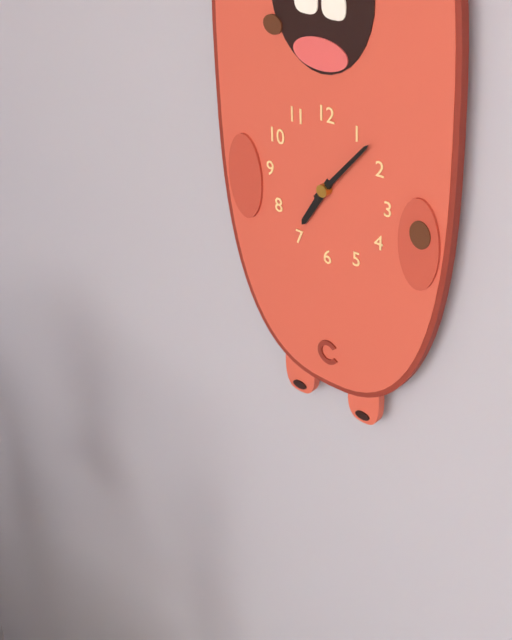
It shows 7.07
